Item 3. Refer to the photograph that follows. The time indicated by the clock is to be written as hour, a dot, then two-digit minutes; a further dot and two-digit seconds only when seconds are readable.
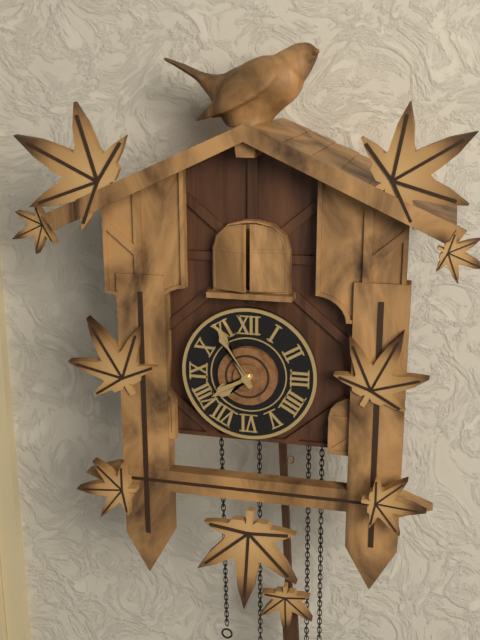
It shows 7.55
